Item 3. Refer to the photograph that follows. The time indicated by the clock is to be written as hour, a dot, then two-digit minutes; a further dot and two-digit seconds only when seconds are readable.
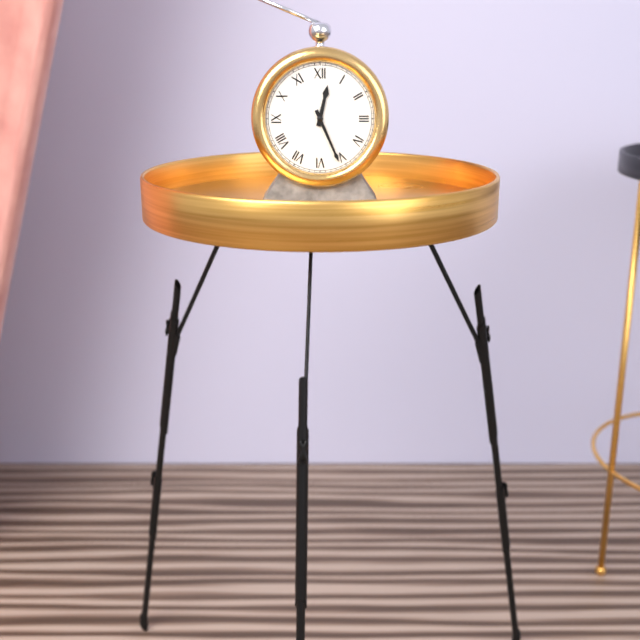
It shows 12.26
